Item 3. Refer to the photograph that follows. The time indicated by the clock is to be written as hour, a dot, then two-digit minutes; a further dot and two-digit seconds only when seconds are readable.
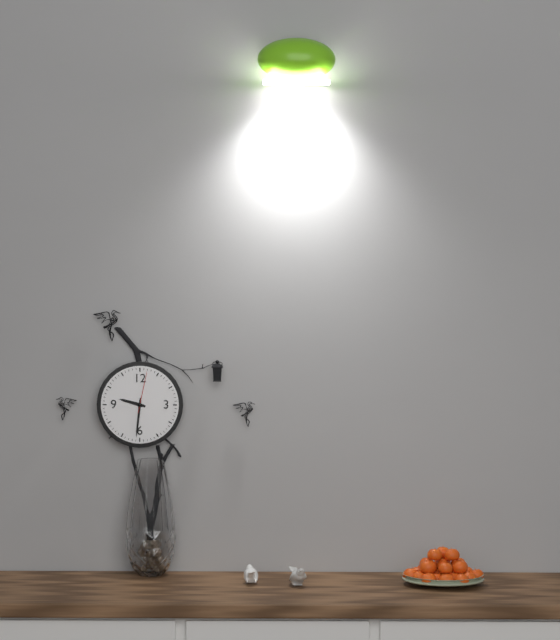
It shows 9.31
